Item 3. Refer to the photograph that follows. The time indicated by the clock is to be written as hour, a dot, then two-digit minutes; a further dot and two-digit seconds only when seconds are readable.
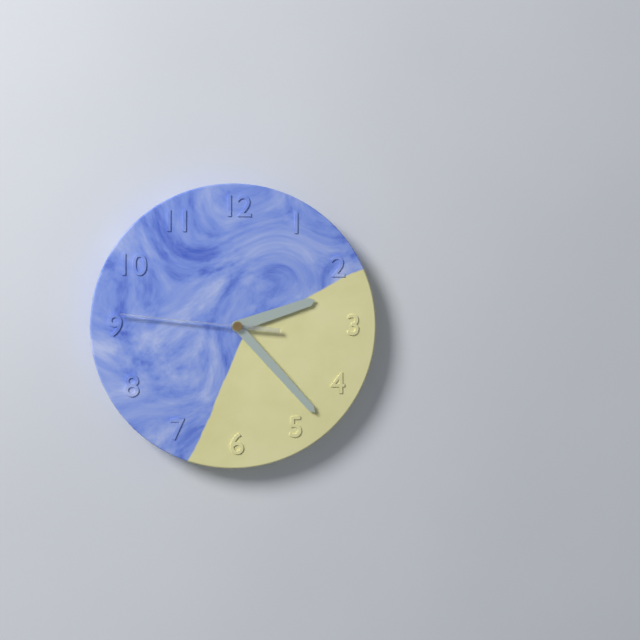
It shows 2.23.46
